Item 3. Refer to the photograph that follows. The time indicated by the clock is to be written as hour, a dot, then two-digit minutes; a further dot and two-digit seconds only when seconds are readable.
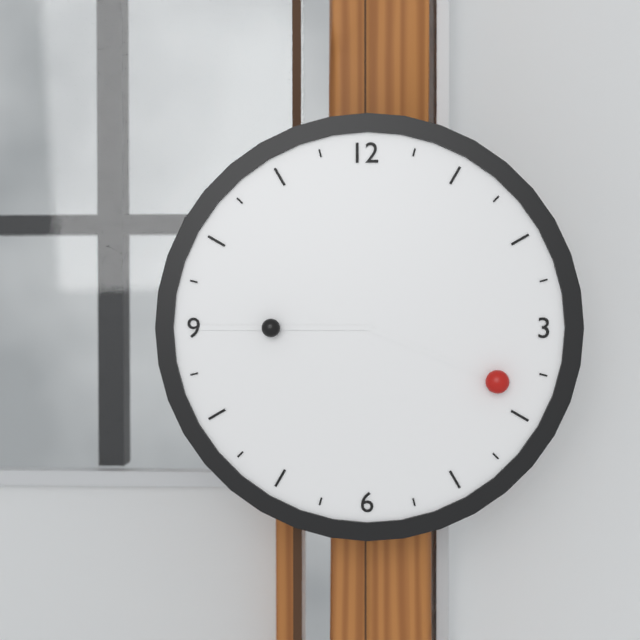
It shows 3.45
